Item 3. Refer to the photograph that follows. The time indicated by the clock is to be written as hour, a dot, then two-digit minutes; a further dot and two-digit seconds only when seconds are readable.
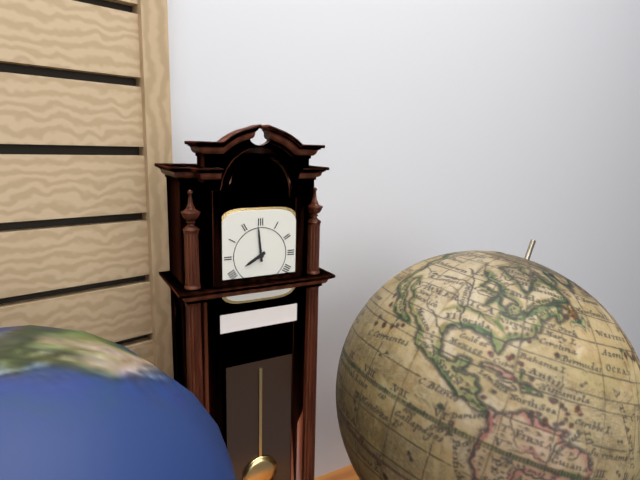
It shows 7.59
